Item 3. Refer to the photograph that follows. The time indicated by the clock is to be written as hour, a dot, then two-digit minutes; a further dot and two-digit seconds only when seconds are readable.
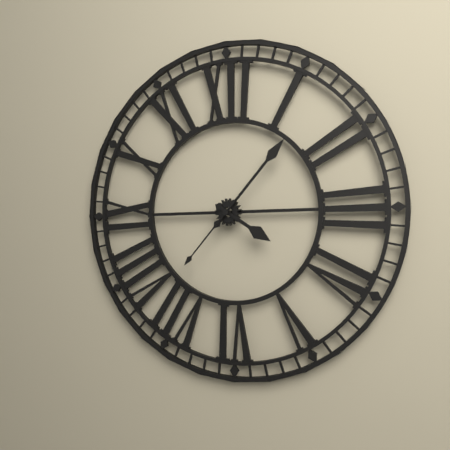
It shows 4.07.37
